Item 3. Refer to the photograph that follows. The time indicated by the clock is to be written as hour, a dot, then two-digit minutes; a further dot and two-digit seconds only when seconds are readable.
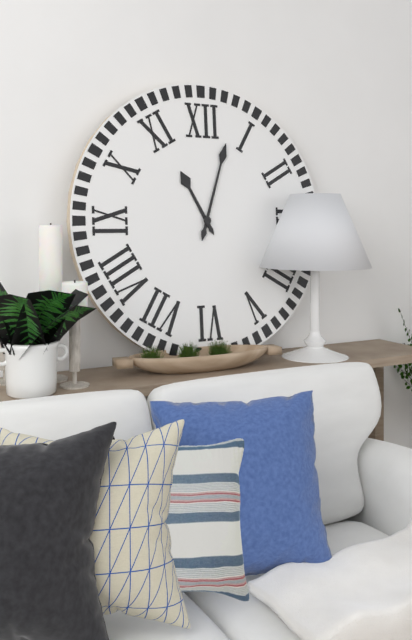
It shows 11.03
